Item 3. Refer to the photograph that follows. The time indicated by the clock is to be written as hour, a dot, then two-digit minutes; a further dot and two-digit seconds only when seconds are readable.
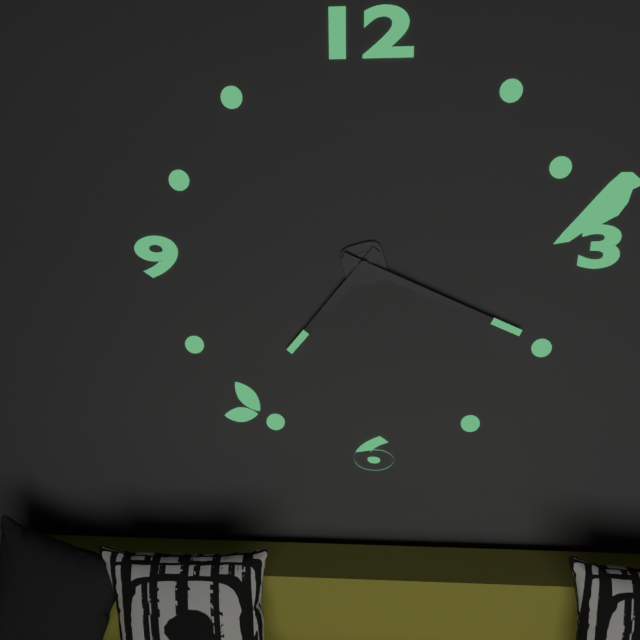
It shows 7.19
